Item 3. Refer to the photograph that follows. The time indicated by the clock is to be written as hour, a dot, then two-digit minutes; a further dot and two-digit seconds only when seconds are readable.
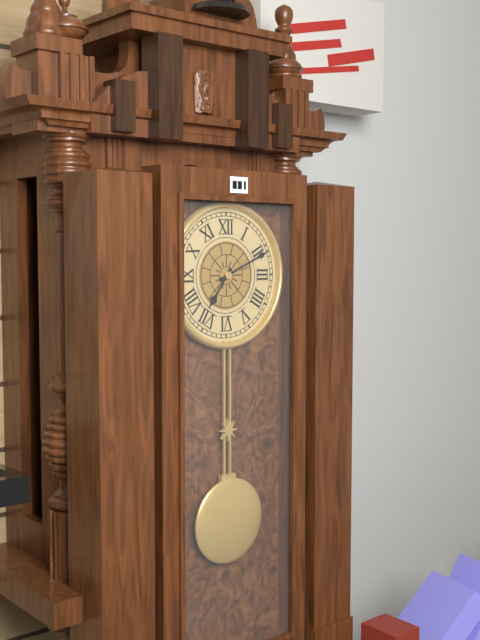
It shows 7.11
